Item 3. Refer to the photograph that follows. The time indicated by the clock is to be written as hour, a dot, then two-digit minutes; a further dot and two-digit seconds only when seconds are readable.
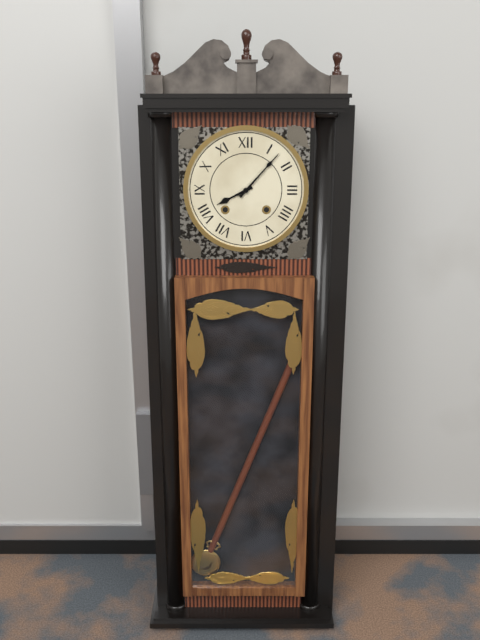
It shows 8.07
